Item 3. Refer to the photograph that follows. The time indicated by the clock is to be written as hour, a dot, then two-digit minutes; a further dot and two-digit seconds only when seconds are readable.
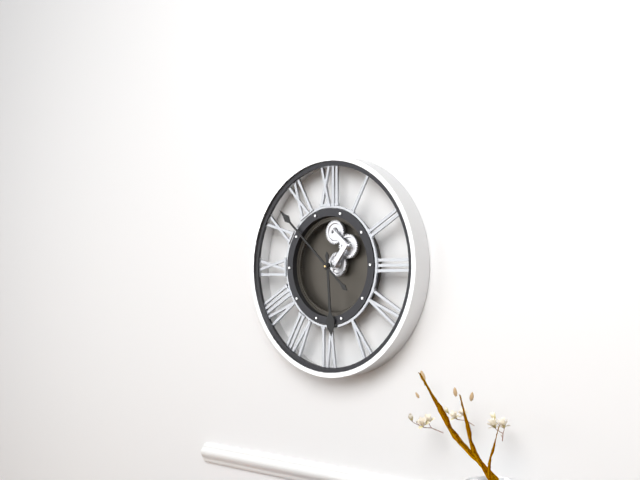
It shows 5.52
